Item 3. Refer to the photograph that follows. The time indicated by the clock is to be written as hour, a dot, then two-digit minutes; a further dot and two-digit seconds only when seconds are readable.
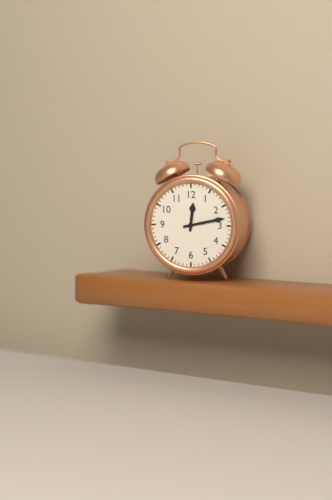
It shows 12.13
